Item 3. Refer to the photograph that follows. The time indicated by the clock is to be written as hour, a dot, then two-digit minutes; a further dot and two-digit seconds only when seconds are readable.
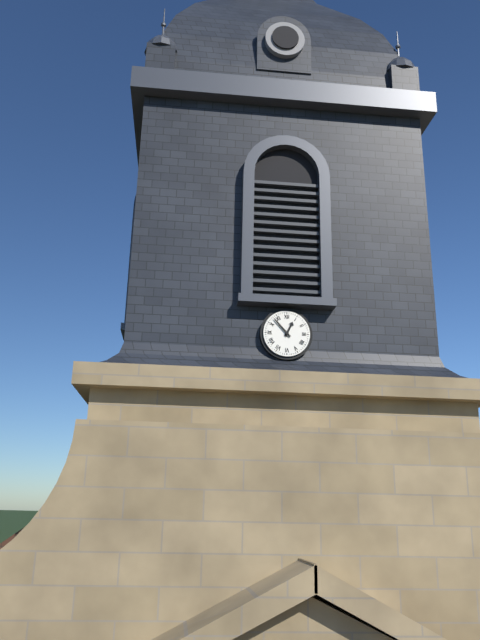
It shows 12.53
